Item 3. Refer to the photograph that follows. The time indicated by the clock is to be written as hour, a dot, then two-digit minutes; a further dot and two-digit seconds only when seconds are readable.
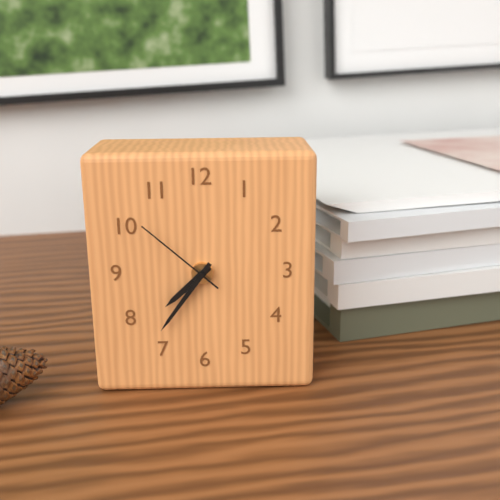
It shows 7.36.52
